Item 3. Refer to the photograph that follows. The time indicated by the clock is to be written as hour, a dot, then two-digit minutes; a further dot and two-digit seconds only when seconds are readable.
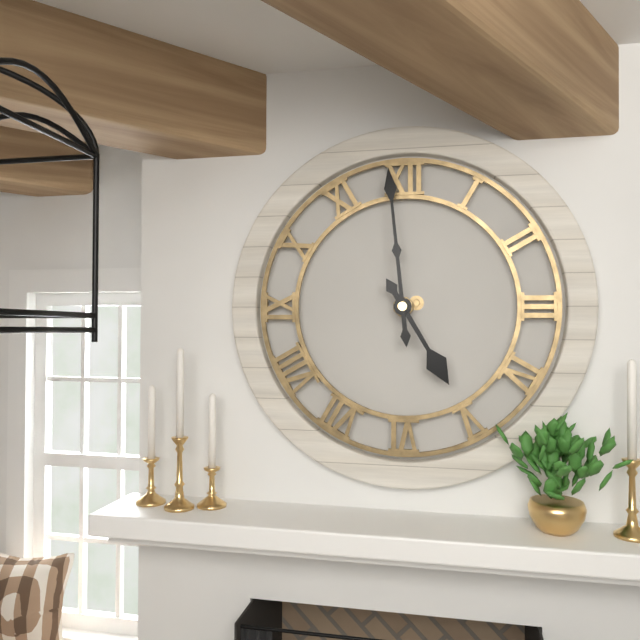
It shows 4.59
